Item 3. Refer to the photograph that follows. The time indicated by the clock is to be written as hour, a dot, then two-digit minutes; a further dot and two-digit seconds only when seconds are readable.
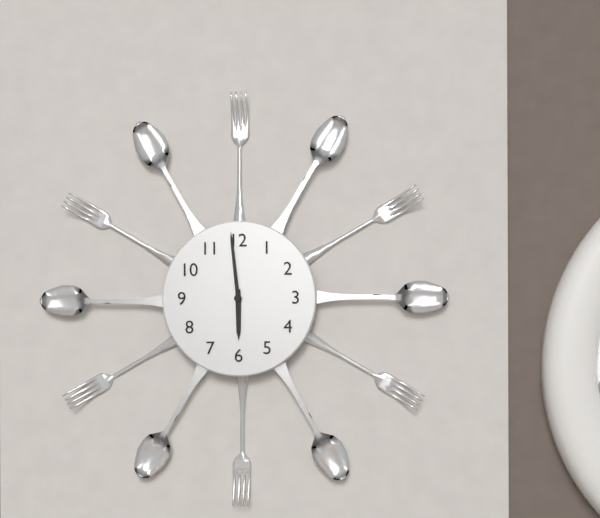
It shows 5.59
